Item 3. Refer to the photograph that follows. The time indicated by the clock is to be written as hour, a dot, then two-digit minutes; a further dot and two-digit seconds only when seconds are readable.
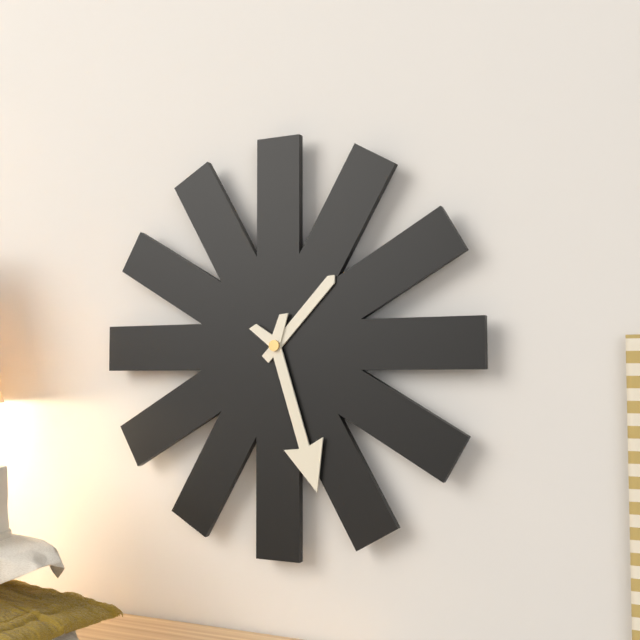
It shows 1.27
